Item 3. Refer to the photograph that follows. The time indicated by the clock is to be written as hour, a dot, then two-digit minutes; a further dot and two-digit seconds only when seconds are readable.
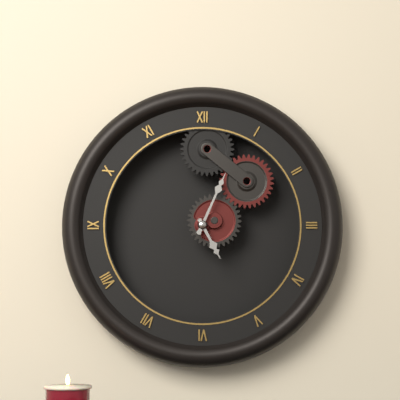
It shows 5.04
